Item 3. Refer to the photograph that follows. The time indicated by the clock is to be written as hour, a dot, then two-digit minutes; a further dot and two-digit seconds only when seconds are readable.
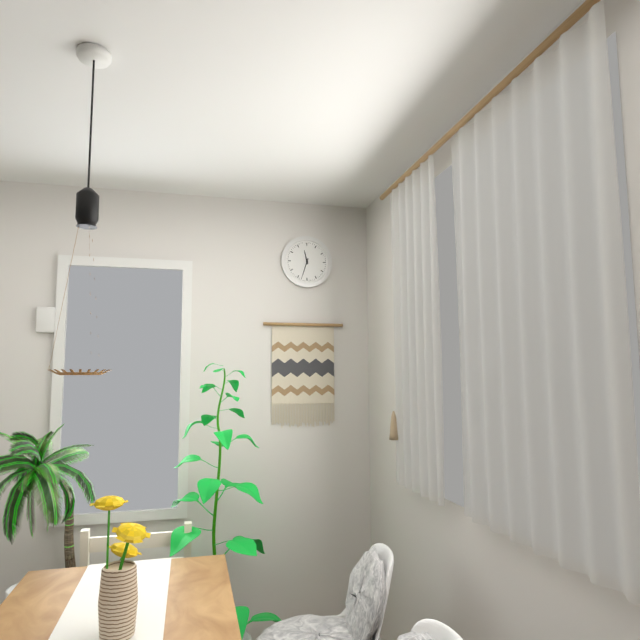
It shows 11.33
